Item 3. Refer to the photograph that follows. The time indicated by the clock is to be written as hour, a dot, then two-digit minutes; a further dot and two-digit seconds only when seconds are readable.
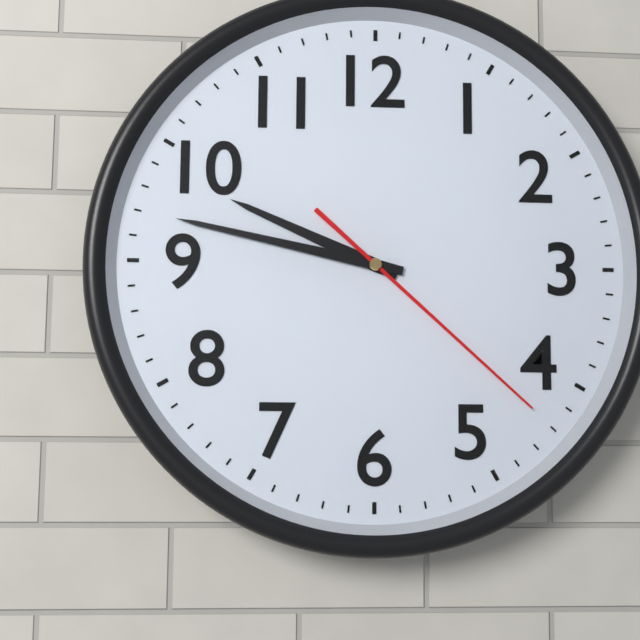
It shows 9.47.22
